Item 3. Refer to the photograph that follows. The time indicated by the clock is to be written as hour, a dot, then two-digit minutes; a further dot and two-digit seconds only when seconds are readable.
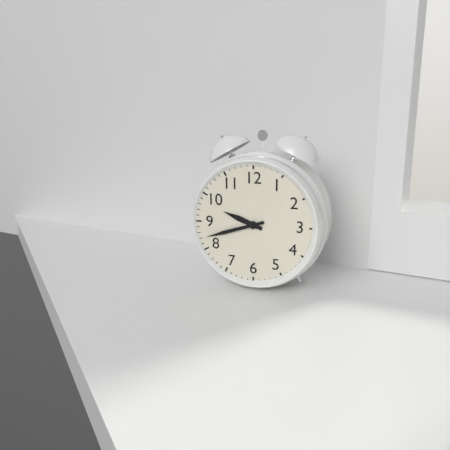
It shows 9.42
